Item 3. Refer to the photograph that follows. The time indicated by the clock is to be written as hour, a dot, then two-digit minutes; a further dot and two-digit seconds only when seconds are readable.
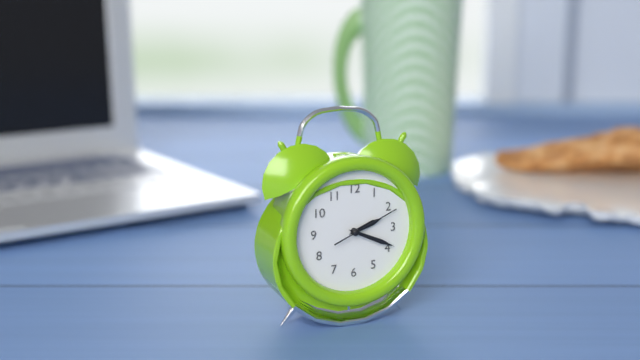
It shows 2.19.11
